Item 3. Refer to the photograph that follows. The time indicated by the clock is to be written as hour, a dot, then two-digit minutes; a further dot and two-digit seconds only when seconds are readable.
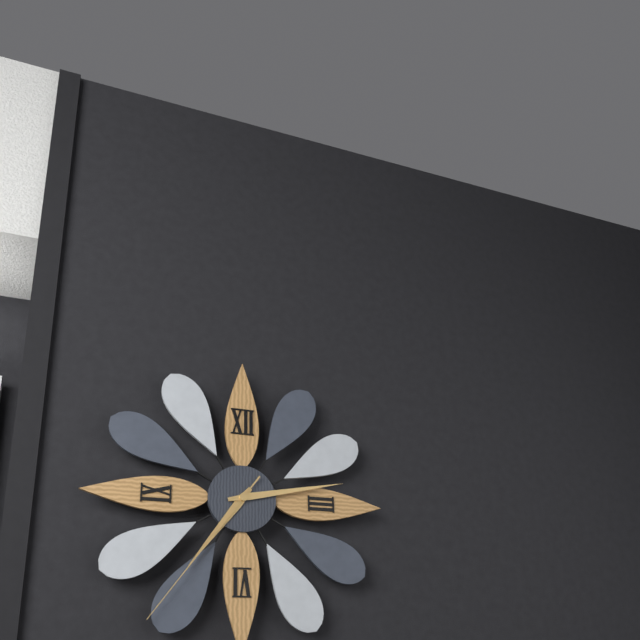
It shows 7.13.36
